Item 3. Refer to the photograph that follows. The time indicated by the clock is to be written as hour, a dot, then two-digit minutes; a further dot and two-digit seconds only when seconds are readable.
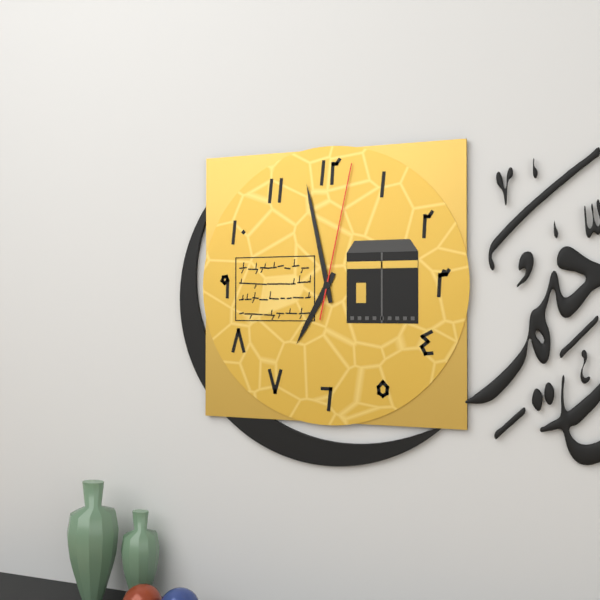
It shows 6.58.02
